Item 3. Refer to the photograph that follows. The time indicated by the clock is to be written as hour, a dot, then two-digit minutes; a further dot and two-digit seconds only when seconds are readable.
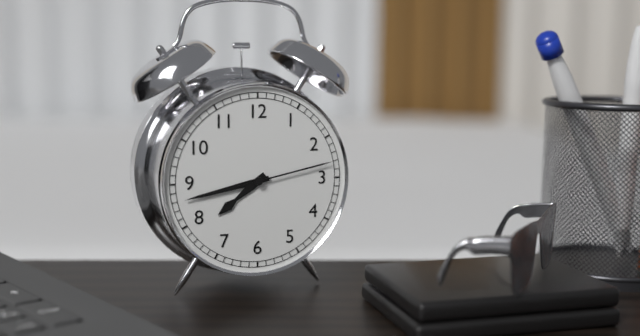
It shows 7.43.13
